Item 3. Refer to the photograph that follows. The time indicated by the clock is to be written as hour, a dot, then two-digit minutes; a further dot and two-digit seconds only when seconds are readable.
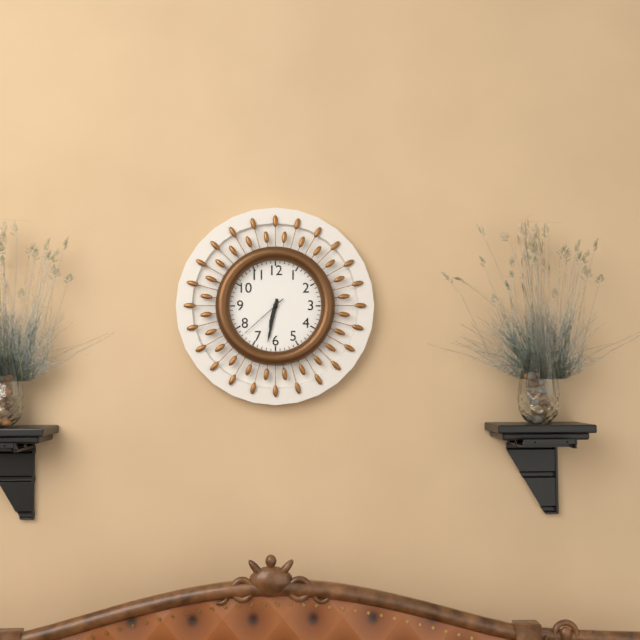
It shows 6.32.38
